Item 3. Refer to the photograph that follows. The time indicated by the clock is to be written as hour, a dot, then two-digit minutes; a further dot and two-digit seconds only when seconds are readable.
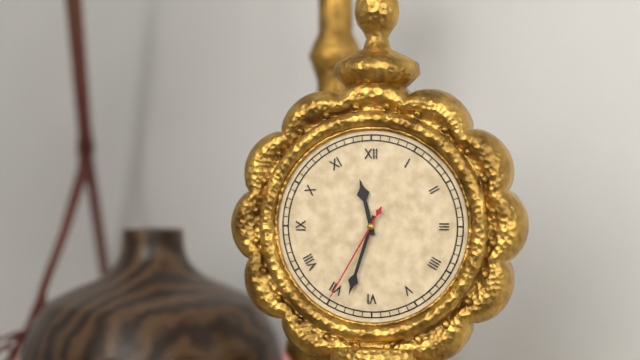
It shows 11.33.35
